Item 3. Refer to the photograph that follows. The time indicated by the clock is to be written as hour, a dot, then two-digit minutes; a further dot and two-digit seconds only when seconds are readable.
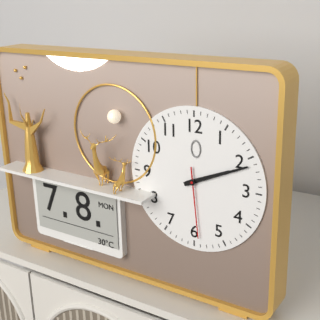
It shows 2.11.29
